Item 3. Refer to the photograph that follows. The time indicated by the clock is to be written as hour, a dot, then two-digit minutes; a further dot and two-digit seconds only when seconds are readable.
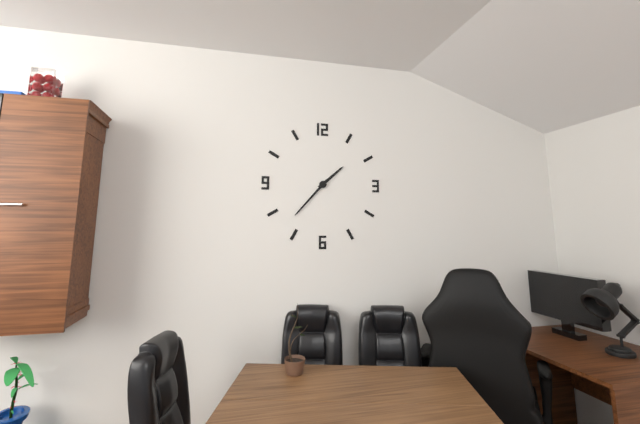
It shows 1.37
